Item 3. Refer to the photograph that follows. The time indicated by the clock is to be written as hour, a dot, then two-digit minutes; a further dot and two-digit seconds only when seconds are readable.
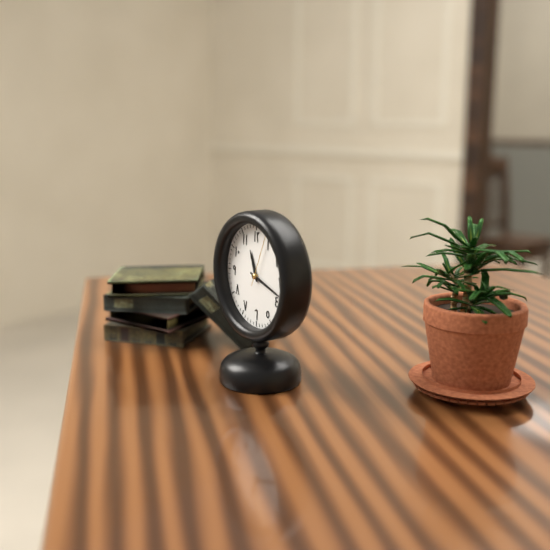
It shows 11.18.04
